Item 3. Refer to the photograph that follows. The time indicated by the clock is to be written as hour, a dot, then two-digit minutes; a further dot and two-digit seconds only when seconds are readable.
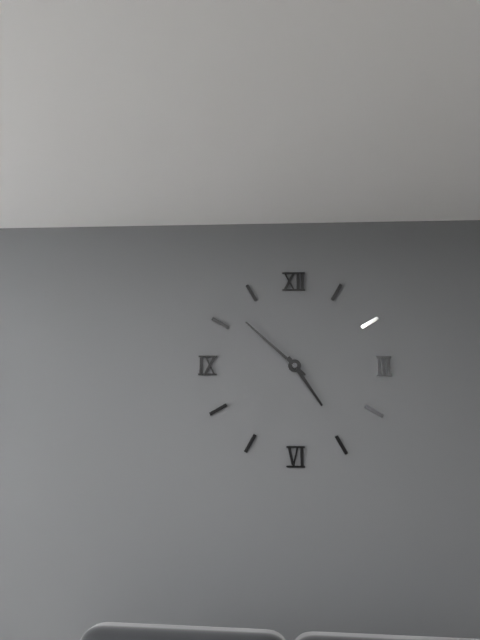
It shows 4.52
